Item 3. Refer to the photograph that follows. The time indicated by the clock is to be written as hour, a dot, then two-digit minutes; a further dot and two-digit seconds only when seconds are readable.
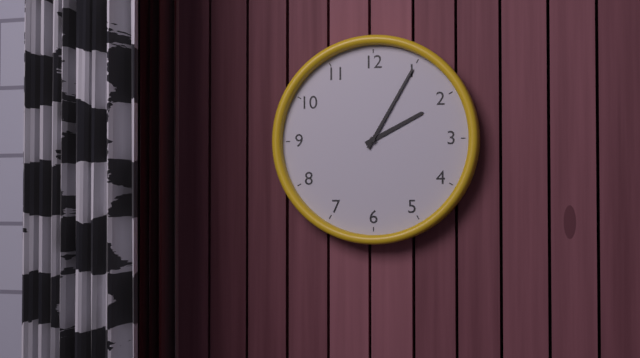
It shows 2.05
